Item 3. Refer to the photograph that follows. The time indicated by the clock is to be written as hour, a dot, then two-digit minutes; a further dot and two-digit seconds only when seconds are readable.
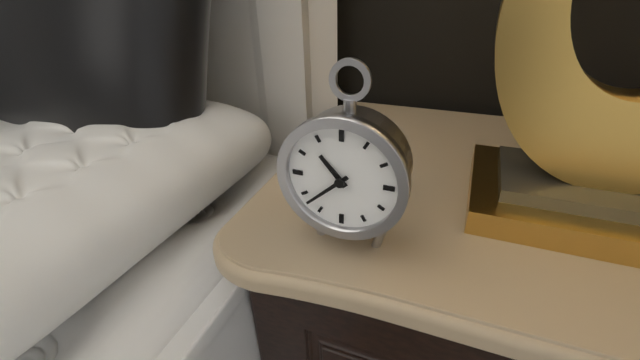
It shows 10.38
